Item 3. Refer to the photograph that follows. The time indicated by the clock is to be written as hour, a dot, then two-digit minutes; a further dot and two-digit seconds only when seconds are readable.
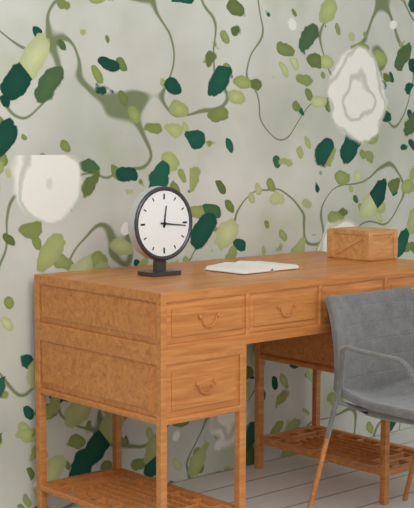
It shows 12.16
